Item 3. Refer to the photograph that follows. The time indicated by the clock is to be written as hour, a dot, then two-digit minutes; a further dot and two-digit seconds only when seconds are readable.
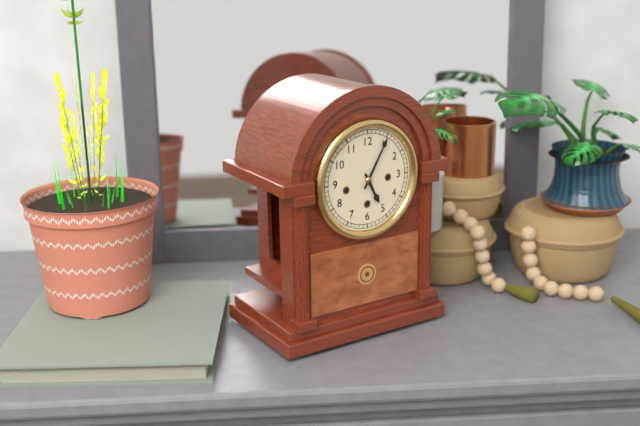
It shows 5.05
